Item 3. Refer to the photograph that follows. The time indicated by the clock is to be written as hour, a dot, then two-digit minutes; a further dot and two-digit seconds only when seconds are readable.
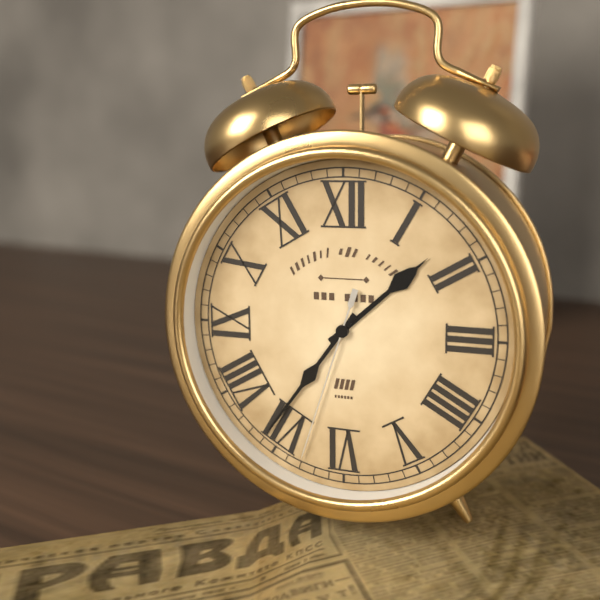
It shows 1.36.33
